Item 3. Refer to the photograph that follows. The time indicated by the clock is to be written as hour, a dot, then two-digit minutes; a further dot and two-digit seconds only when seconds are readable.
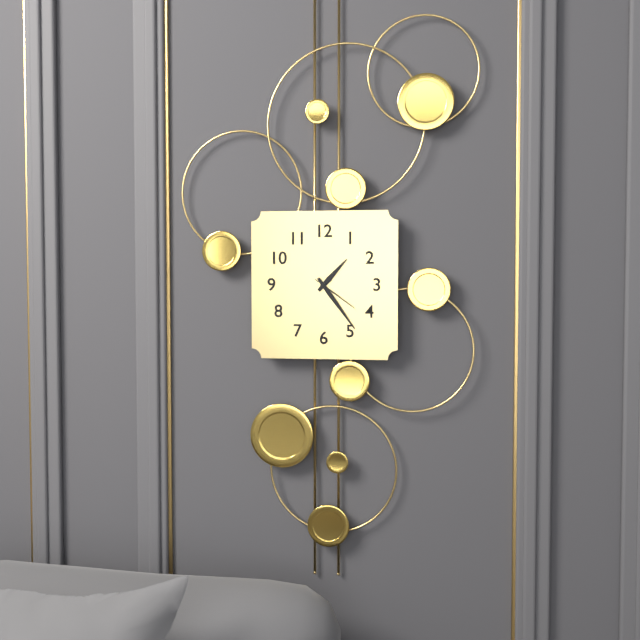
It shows 1.24
